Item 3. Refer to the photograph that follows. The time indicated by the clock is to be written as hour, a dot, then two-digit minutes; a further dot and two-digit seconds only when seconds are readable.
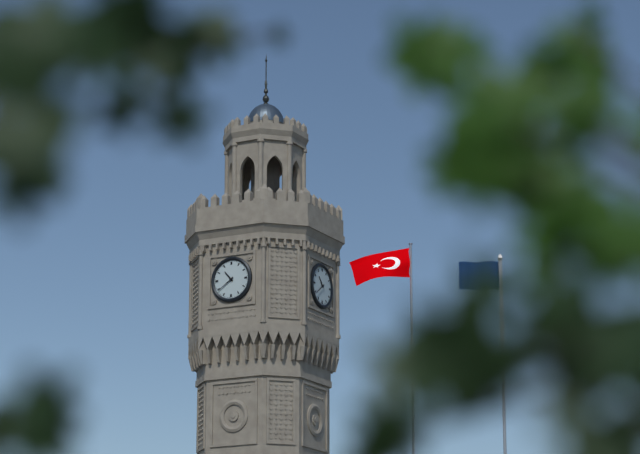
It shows 10.39
